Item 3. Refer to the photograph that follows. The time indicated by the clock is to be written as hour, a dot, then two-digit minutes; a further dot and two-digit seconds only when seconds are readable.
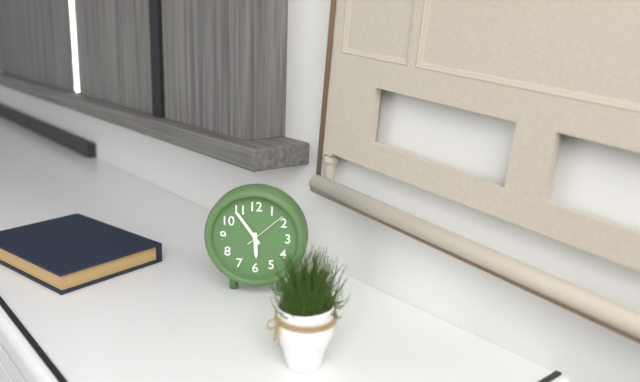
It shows 5.54
